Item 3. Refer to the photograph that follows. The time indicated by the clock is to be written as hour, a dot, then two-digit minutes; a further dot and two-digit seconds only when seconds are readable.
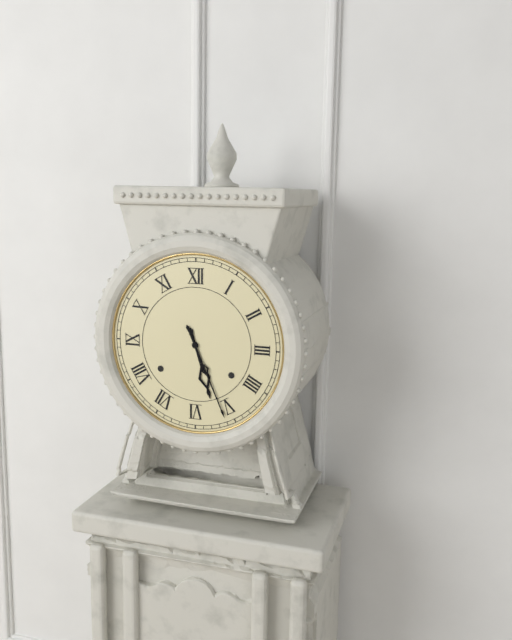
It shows 5.26
